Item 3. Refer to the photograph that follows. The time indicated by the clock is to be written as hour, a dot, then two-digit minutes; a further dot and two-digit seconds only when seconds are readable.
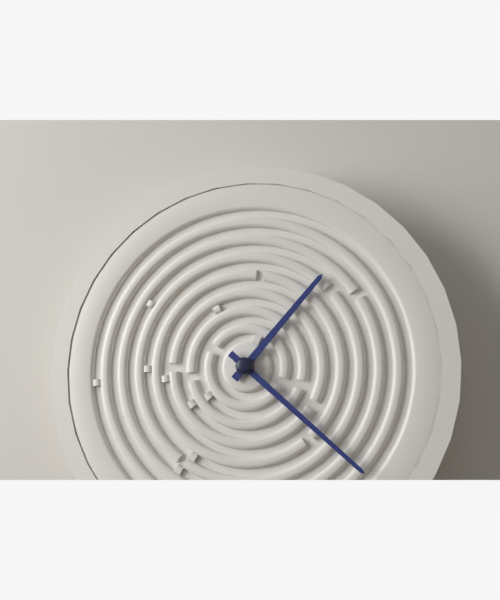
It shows 1.22
